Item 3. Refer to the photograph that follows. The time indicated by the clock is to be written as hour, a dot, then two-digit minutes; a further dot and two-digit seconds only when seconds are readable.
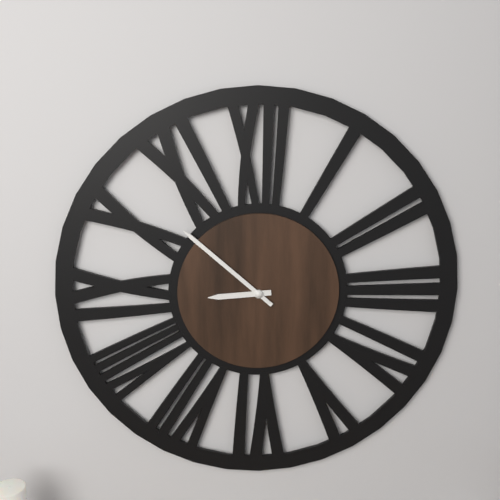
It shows 8.52
